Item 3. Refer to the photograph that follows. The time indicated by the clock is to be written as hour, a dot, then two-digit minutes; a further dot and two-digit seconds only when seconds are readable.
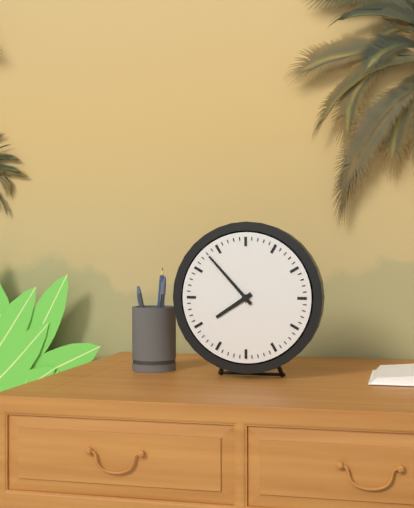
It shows 7.53
